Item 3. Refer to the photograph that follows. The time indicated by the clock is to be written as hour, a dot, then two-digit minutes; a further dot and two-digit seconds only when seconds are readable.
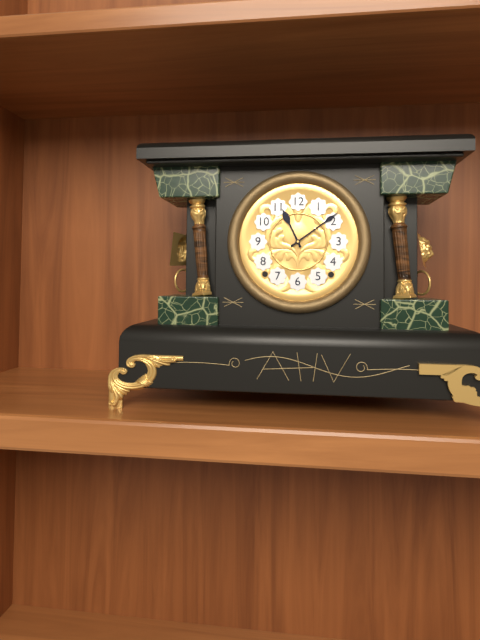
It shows 11.09
